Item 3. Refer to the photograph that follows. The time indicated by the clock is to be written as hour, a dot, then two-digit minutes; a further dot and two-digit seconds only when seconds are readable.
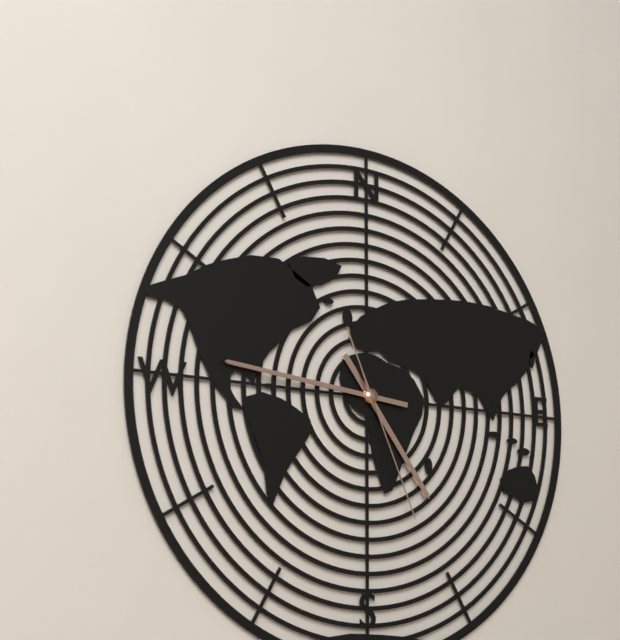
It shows 4.46.26
